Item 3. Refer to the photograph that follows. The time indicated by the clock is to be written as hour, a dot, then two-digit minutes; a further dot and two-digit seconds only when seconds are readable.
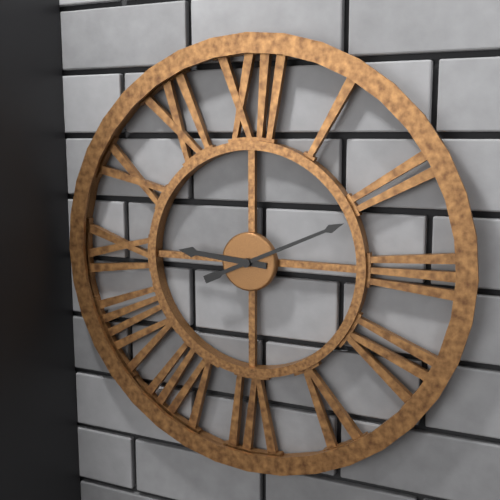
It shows 9.11
